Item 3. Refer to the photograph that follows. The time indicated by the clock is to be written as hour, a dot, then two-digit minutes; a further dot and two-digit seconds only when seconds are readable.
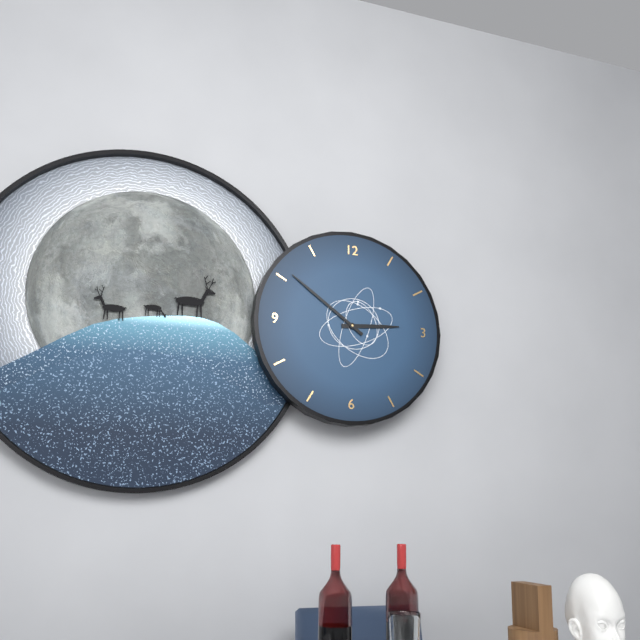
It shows 2.51
